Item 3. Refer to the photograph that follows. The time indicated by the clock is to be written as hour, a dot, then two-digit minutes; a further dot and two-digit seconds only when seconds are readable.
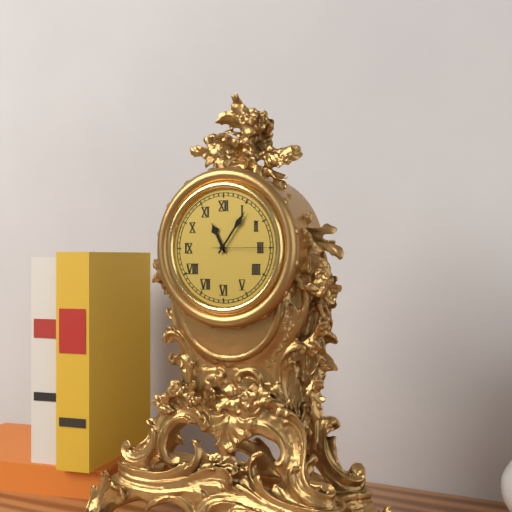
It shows 11.06.15
